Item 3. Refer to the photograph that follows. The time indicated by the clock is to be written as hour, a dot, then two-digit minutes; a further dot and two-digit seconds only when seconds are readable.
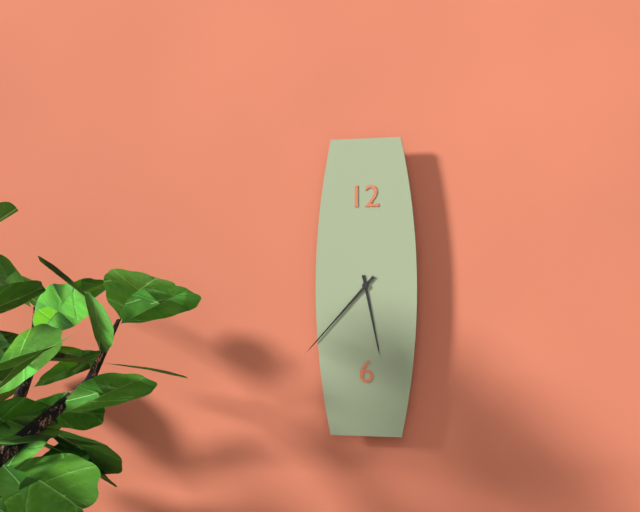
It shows 5.37
